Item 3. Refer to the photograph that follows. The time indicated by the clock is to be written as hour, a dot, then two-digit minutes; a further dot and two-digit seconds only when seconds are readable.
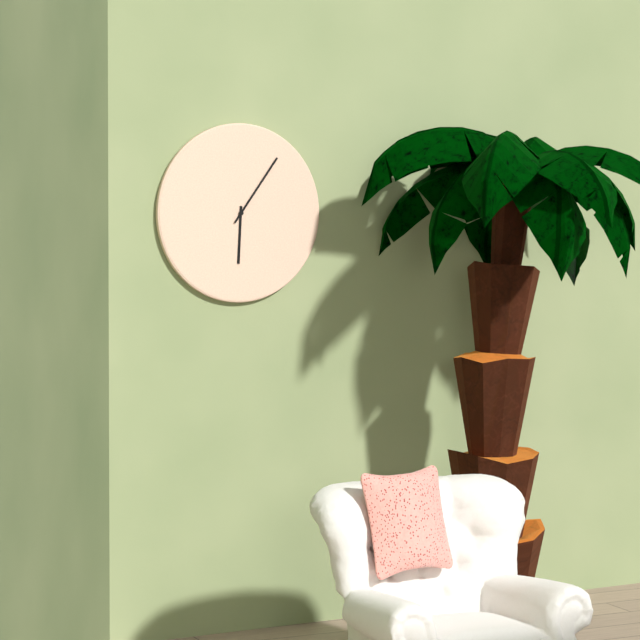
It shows 6.06
